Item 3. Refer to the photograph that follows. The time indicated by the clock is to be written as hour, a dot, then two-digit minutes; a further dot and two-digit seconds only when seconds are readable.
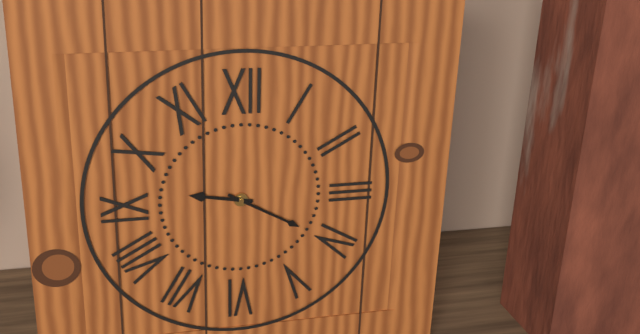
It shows 9.20
